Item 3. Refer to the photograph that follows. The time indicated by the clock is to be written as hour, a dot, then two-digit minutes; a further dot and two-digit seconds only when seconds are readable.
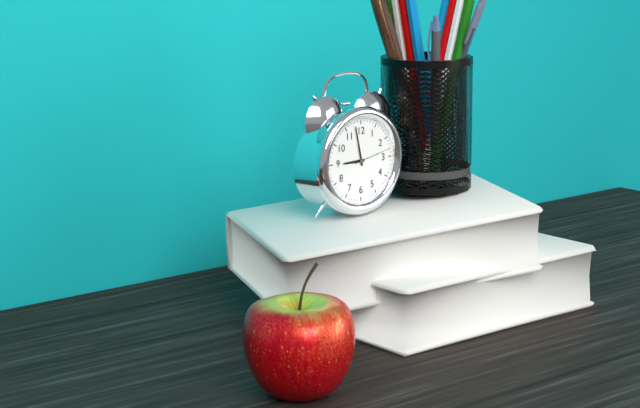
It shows 8.58
